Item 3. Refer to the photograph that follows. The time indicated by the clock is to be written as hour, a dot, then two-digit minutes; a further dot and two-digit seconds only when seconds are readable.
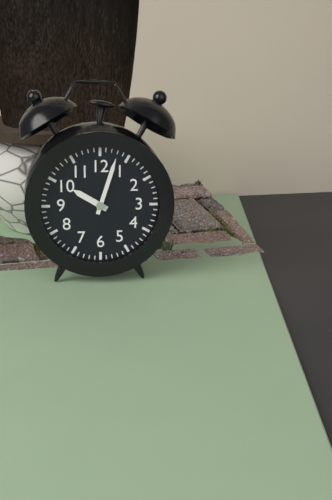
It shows 10.03
